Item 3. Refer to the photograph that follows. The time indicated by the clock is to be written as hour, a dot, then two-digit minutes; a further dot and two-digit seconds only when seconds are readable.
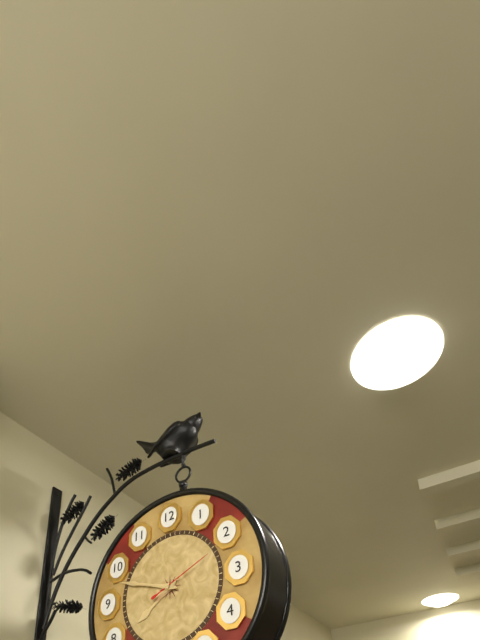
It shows 7.48.11
